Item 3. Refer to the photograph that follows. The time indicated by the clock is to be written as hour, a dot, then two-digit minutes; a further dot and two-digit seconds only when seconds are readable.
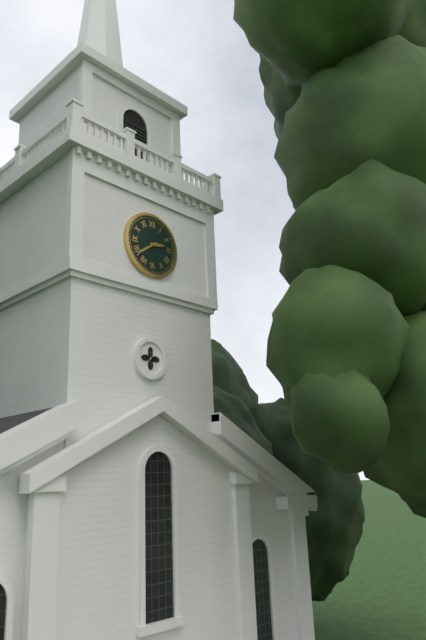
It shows 2.39
